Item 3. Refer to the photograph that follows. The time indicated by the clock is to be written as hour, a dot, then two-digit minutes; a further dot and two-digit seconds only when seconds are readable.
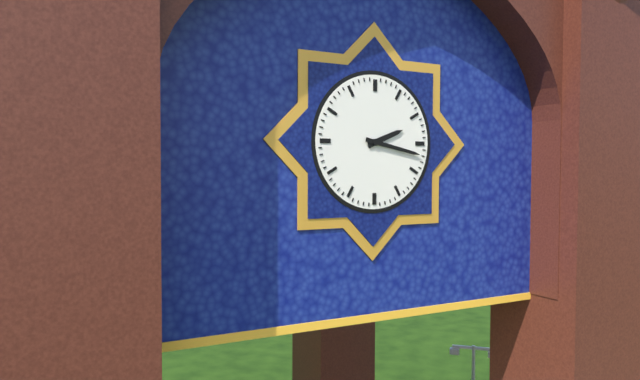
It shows 2.17
